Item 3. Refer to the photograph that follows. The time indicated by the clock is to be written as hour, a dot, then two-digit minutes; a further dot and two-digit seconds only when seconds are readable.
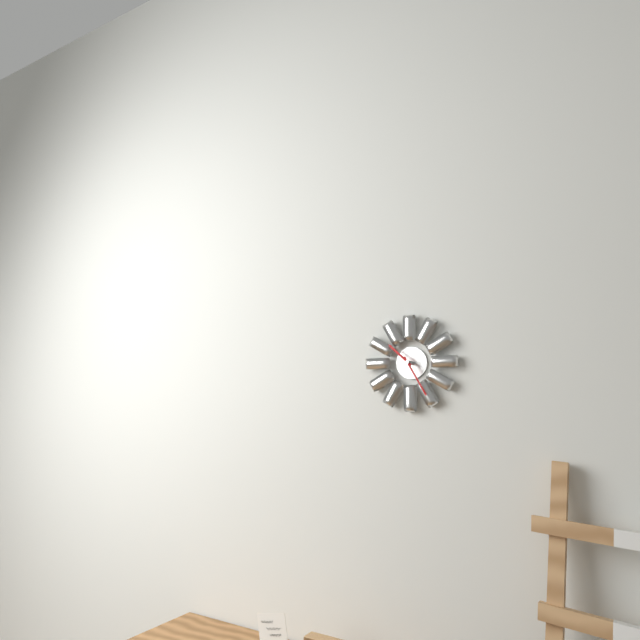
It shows 10.25
